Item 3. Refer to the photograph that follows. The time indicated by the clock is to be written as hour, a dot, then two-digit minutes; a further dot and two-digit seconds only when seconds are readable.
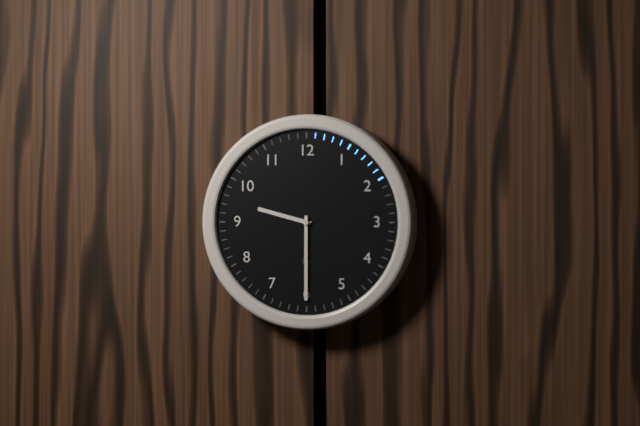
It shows 9.30
